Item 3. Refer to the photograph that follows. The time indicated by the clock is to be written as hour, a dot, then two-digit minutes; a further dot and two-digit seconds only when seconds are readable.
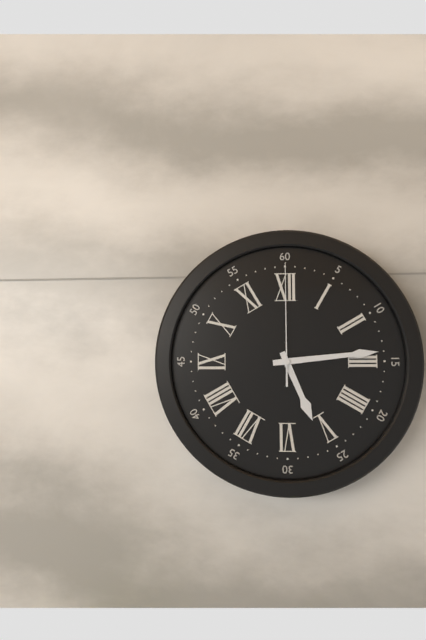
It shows 5.14.00
